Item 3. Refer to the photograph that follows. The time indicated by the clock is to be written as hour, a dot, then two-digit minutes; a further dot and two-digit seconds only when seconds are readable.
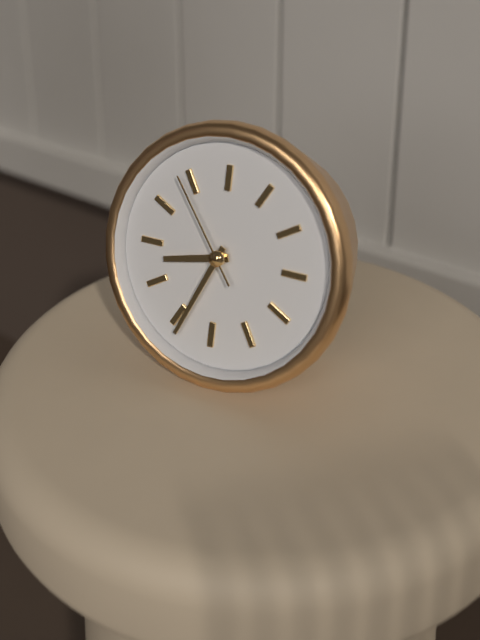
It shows 8.34.54
